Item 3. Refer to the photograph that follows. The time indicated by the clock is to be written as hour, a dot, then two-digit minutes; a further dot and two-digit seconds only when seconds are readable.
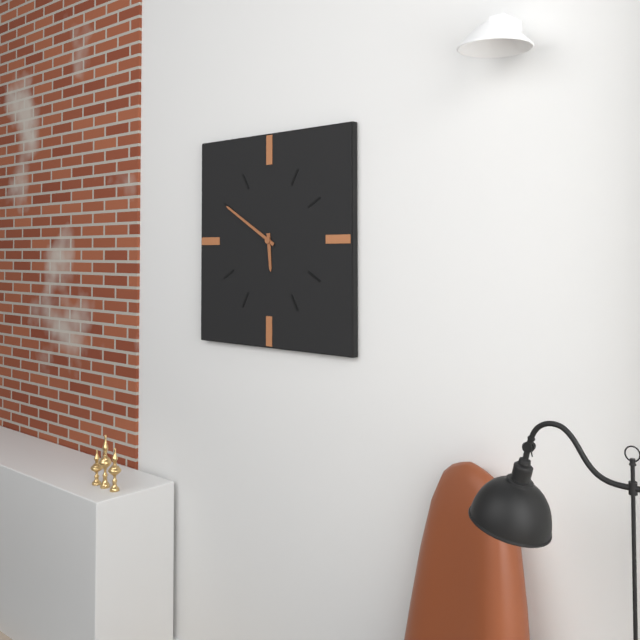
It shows 5.50
